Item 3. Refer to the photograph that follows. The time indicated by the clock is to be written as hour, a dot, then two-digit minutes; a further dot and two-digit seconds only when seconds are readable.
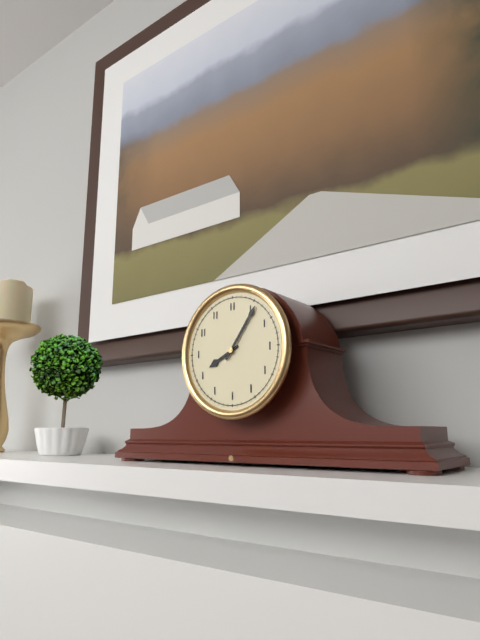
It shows 8.06
